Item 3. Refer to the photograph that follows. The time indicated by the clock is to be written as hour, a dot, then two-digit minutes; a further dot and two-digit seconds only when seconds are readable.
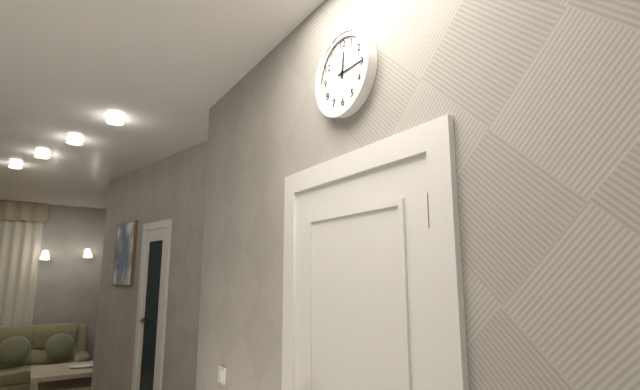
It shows 12.15
